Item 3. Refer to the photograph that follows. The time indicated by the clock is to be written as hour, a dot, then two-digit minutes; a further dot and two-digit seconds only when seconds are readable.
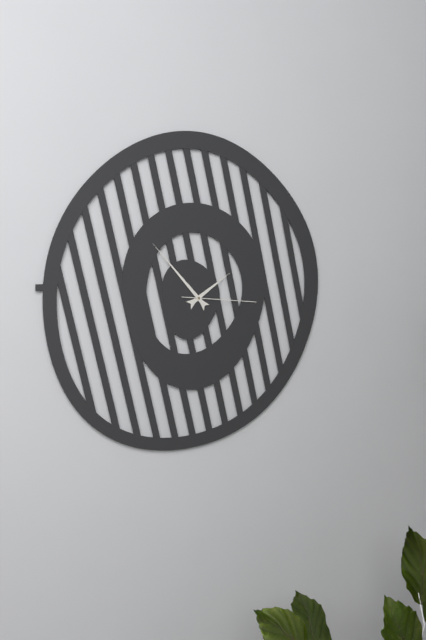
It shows 1.53.16
